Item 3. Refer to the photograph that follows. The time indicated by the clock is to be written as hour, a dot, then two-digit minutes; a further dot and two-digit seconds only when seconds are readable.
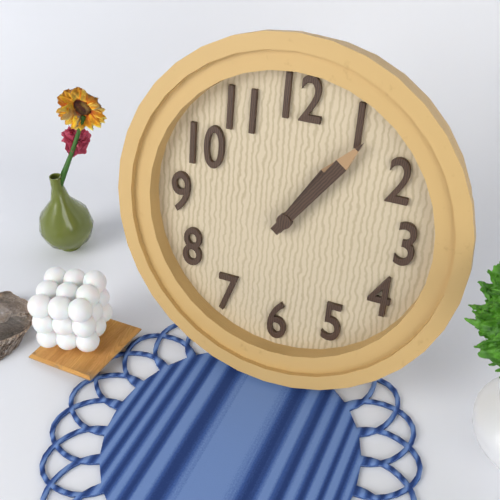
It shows 1.06
